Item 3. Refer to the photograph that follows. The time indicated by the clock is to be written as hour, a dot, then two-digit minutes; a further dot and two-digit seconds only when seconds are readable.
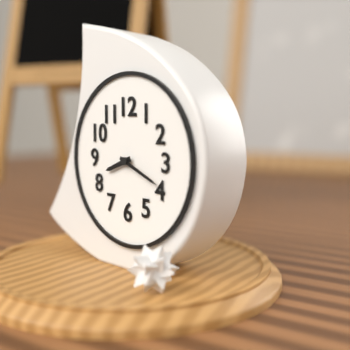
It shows 8.19
